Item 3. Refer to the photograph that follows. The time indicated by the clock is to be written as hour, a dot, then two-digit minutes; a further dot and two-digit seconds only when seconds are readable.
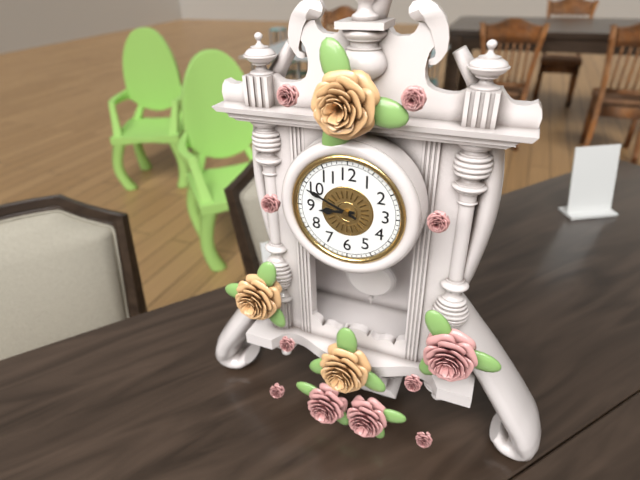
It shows 8.49
